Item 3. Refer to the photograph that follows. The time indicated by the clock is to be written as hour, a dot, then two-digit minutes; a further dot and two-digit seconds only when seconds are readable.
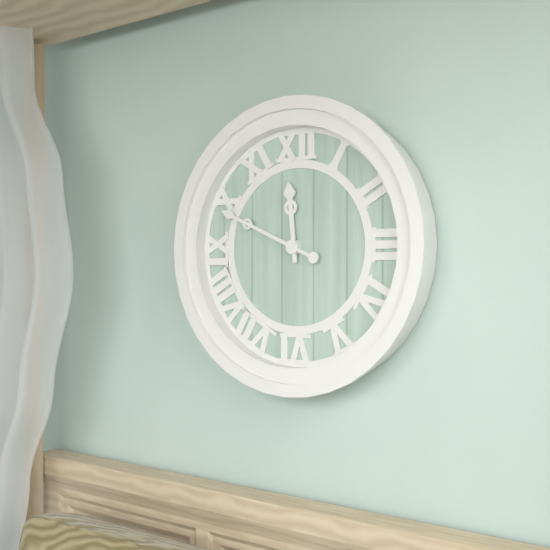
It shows 11.49
